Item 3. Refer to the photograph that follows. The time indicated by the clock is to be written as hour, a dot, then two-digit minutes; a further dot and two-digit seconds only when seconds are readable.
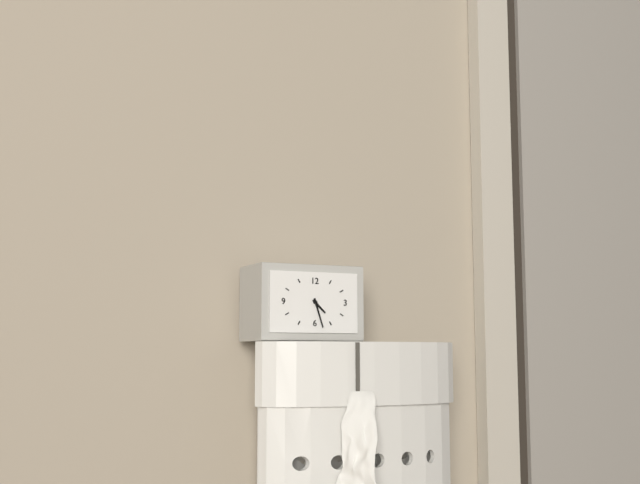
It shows 4.27
